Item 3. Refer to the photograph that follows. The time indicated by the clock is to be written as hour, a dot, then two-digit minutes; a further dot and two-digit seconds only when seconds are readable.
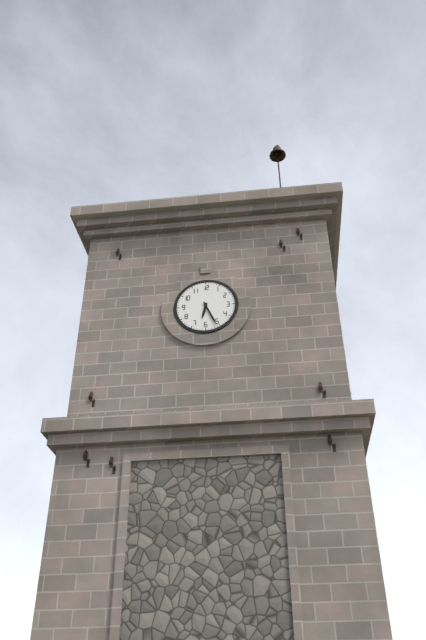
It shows 6.26
